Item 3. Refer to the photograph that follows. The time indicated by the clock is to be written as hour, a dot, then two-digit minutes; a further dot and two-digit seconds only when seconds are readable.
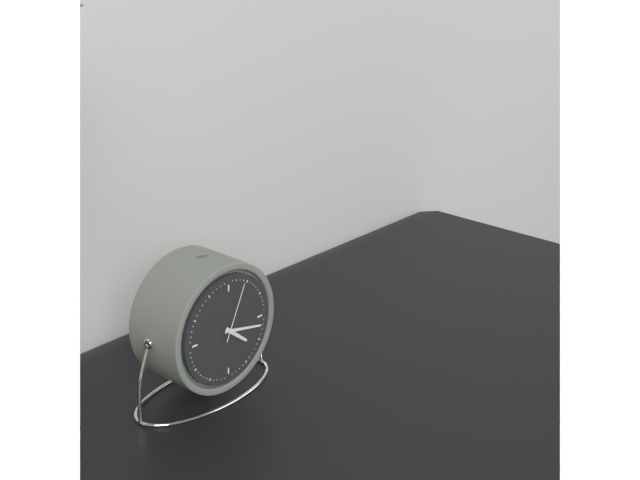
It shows 4.17.04
